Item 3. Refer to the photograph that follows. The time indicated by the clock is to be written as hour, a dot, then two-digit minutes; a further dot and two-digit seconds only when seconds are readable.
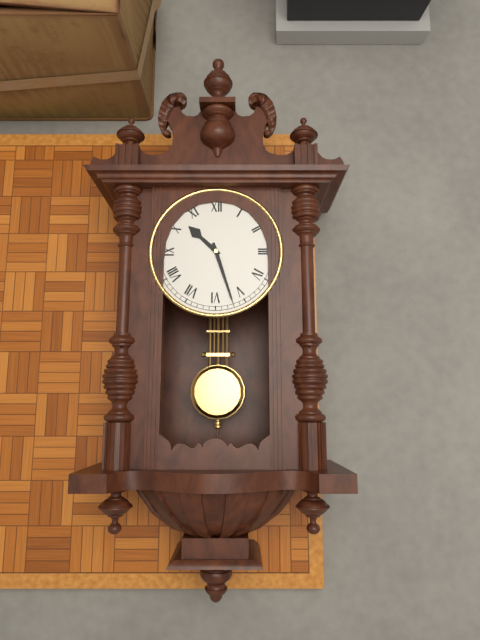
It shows 10.27
